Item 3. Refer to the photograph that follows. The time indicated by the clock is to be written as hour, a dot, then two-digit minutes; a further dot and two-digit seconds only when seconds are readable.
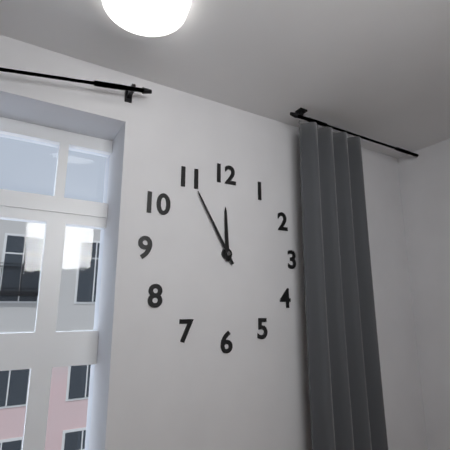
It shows 11.55
